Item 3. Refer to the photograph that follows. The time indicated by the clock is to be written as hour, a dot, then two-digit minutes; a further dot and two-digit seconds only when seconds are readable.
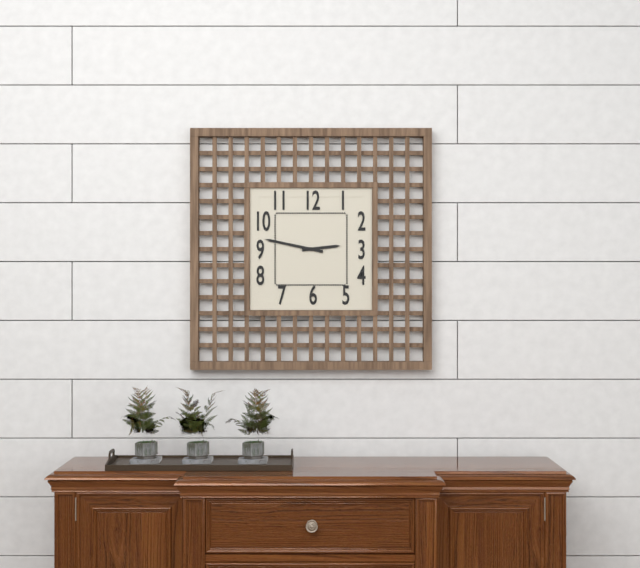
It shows 2.47
